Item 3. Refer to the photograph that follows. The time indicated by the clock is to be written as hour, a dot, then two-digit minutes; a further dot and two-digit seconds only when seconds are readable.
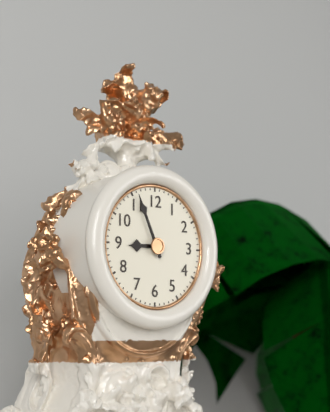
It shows 8.56
